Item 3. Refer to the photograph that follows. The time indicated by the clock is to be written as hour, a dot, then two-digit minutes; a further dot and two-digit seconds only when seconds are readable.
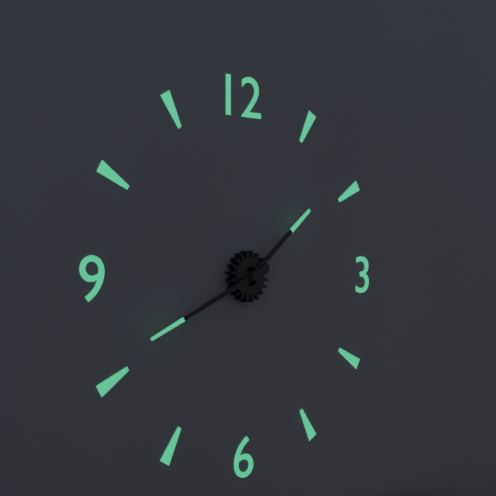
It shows 1.41
